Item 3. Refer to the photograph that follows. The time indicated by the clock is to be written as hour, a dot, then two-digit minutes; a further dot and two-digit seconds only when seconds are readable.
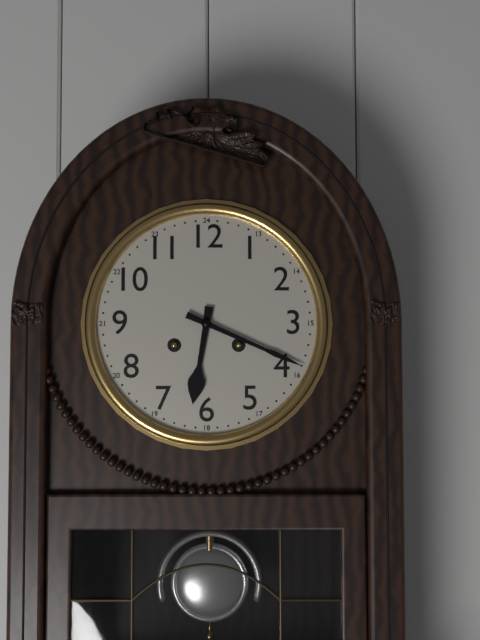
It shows 6.19
